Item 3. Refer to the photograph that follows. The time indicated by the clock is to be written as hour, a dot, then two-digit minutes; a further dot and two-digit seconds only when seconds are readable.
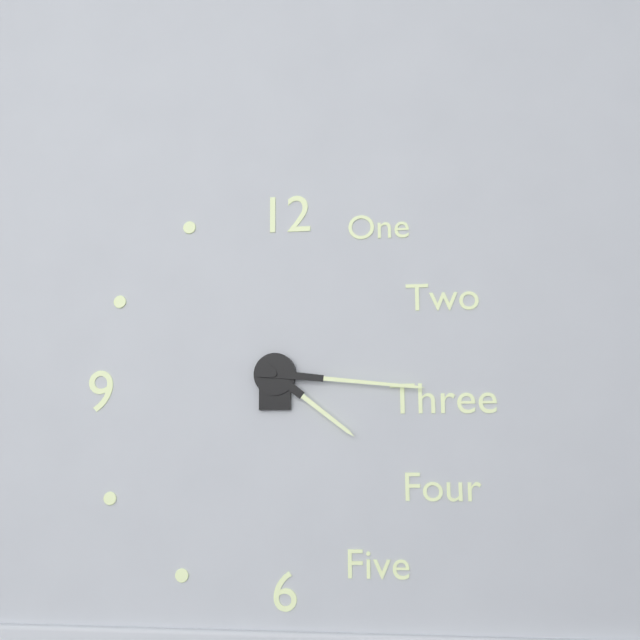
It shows 4.16
